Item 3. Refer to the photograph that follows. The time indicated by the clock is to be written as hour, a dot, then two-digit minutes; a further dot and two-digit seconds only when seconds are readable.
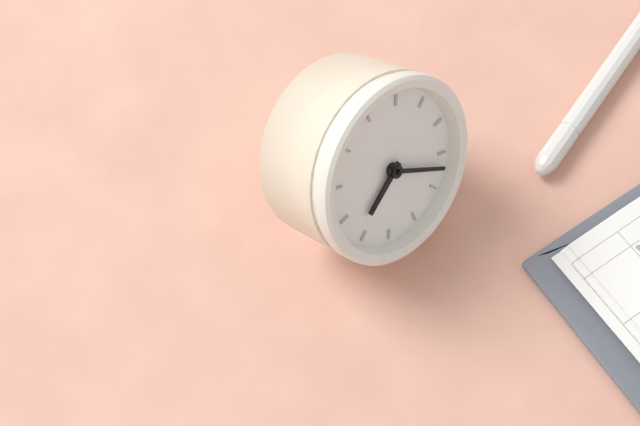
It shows 7.17
